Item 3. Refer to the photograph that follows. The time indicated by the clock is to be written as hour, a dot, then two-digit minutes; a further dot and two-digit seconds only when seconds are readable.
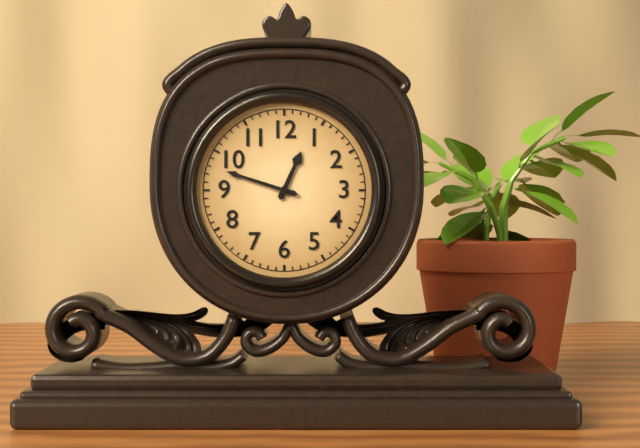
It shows 12.48
